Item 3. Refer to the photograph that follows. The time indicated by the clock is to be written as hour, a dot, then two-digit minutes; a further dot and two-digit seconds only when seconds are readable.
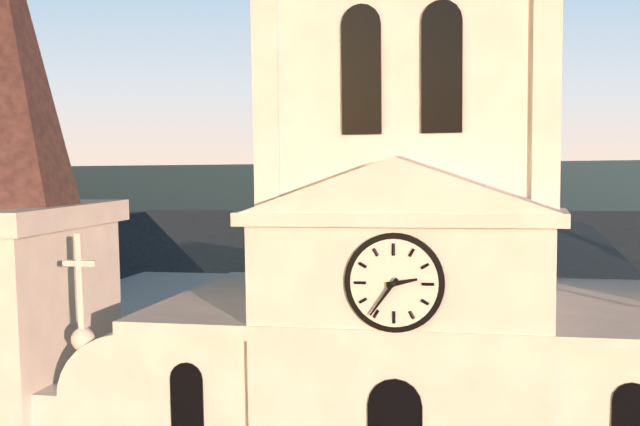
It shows 2.36
